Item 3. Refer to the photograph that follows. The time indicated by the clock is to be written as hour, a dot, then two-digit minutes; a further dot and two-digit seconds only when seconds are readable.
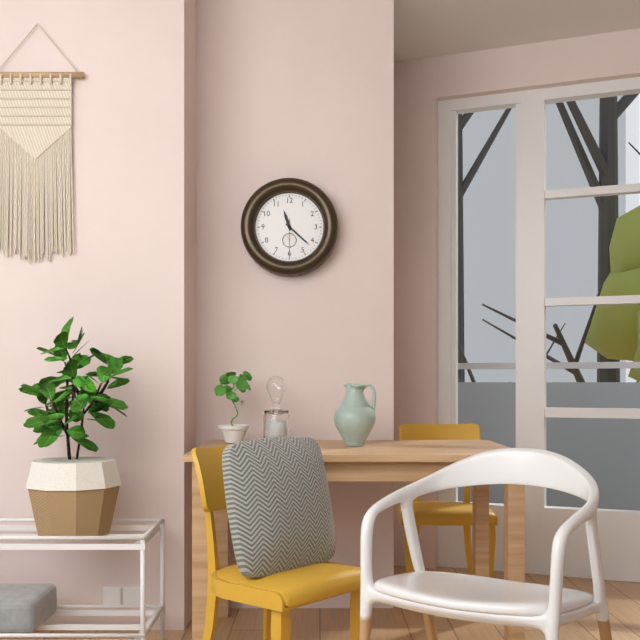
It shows 11.22
